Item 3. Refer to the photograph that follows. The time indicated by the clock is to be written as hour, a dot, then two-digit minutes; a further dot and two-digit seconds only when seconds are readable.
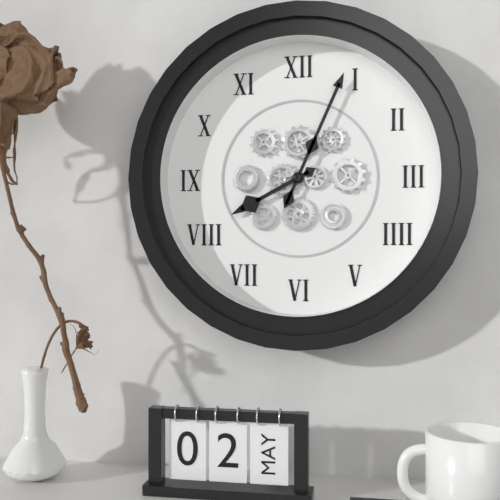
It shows 8.04
